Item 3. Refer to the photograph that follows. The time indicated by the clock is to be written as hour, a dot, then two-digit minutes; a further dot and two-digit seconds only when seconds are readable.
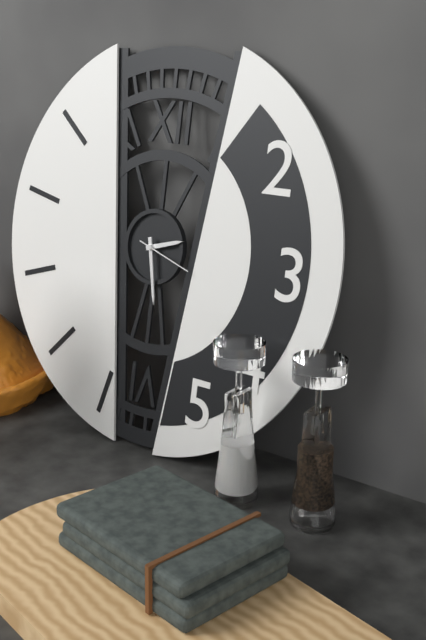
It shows 2.28
